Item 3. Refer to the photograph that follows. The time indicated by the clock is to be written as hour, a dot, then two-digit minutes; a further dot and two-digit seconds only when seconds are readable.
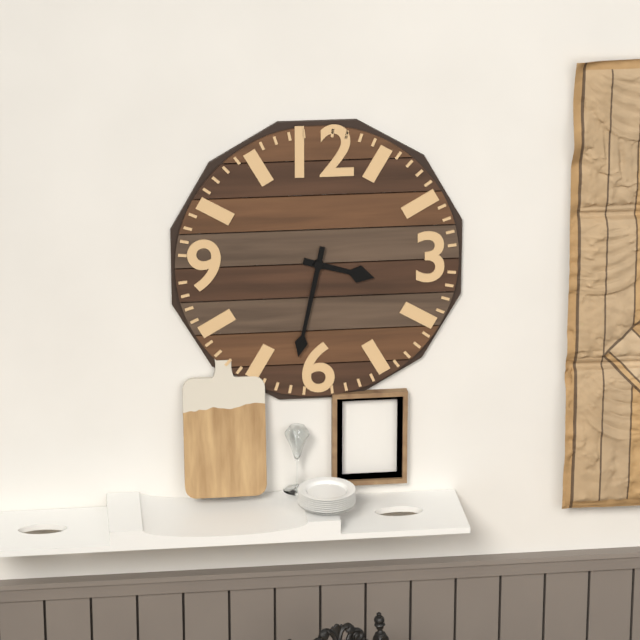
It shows 3.32
